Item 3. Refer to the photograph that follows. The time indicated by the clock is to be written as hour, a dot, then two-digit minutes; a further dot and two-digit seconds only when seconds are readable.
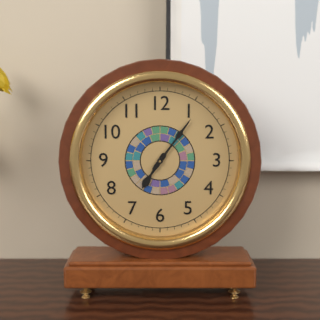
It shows 7.06
